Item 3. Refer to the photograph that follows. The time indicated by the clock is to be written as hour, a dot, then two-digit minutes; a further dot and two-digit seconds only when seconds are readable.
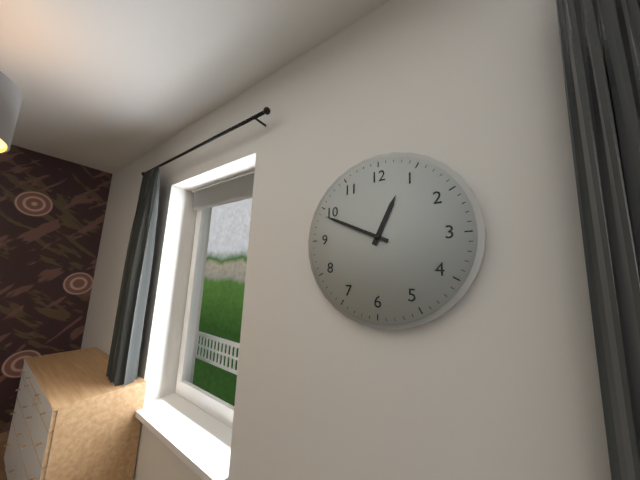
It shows 12.49
